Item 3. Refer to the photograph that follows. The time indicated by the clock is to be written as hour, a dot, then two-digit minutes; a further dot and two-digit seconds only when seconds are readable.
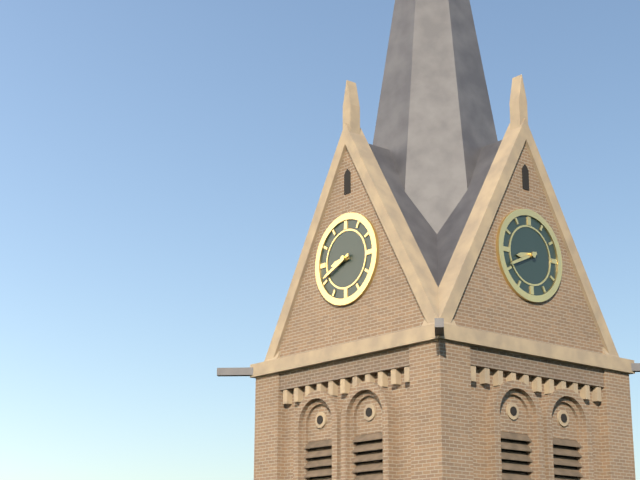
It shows 8.41
